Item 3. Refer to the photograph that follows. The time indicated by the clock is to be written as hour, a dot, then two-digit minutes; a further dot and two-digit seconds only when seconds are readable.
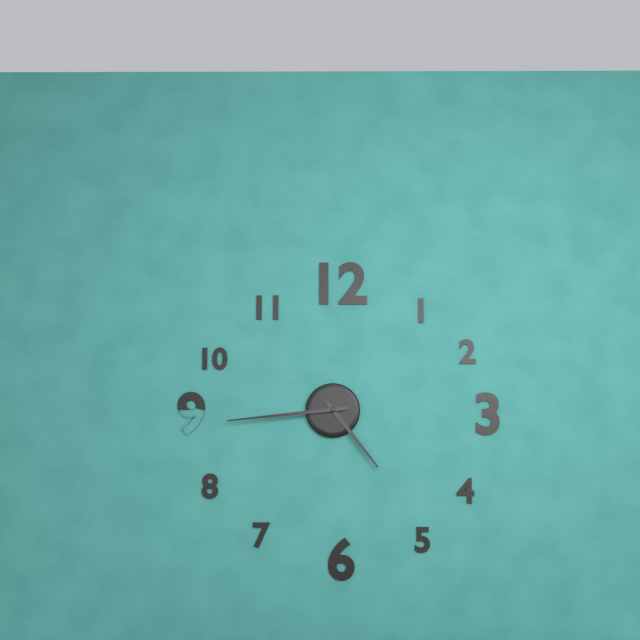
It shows 4.44
